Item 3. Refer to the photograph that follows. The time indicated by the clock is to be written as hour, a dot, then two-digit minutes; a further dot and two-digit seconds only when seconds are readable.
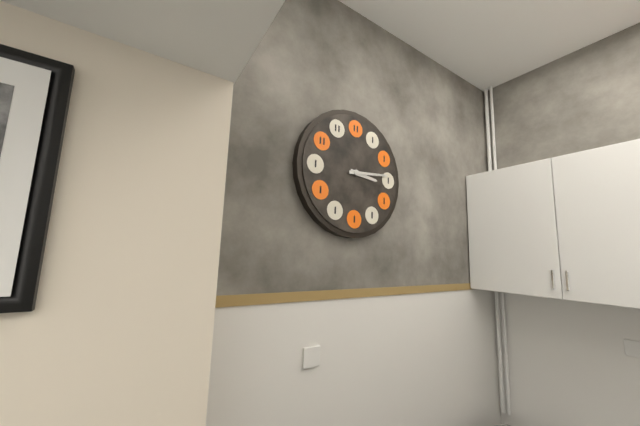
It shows 3.14
